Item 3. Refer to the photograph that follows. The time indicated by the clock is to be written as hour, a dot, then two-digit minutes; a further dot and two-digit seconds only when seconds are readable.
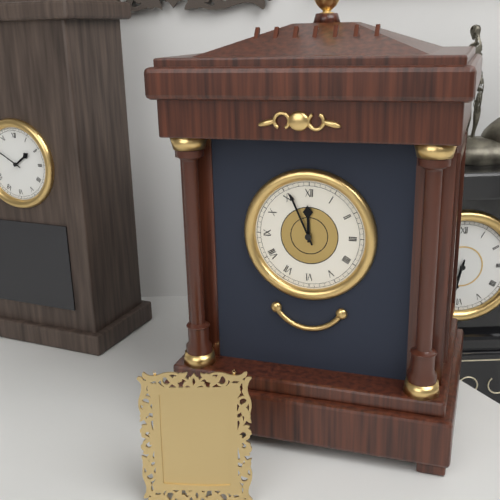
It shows 11.56
